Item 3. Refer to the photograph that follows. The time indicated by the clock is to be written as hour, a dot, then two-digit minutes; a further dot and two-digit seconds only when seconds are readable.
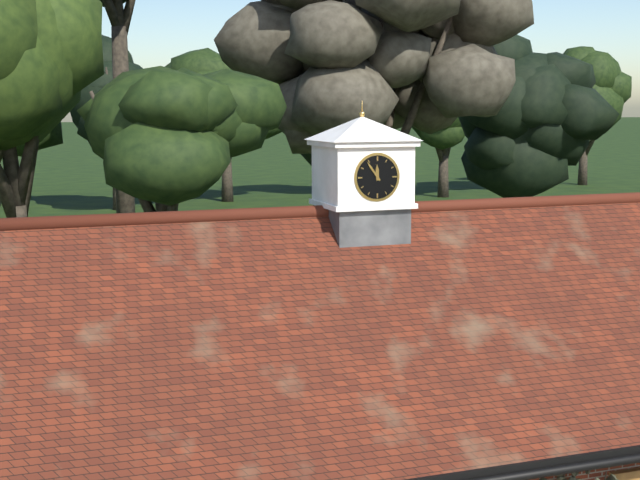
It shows 11.54
